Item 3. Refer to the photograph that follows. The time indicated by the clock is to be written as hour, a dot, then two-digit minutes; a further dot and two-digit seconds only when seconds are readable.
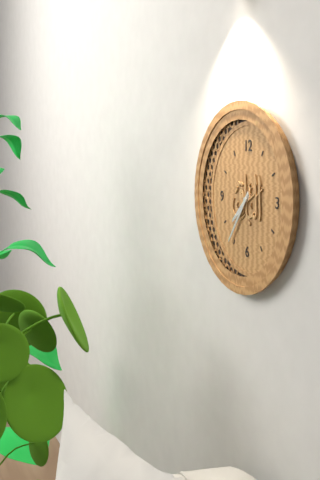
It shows 7.36
